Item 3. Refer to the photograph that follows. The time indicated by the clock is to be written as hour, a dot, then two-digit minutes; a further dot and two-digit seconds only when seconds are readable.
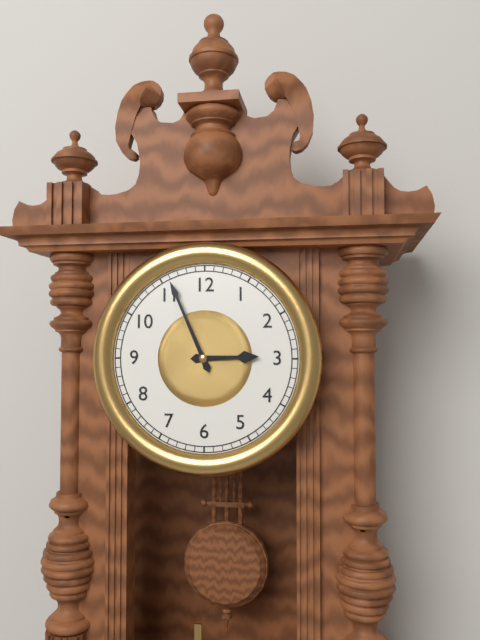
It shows 2.56
